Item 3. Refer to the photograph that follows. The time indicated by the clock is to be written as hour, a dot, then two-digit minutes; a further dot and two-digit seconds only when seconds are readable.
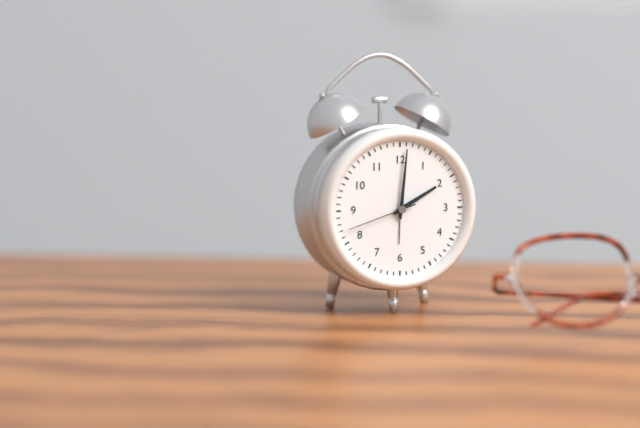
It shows 2.01.42
